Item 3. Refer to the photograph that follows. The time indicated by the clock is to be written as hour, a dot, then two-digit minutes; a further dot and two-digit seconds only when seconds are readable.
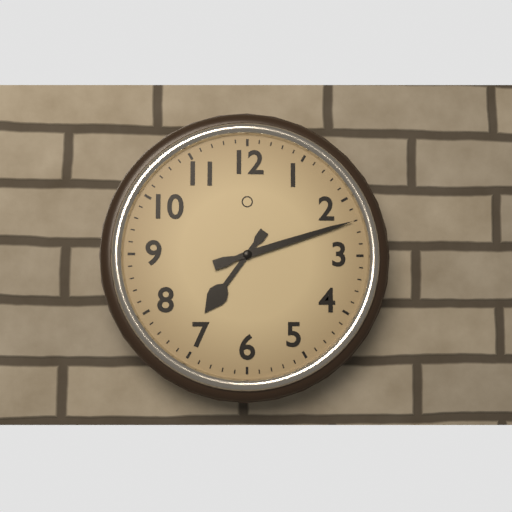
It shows 7.12
